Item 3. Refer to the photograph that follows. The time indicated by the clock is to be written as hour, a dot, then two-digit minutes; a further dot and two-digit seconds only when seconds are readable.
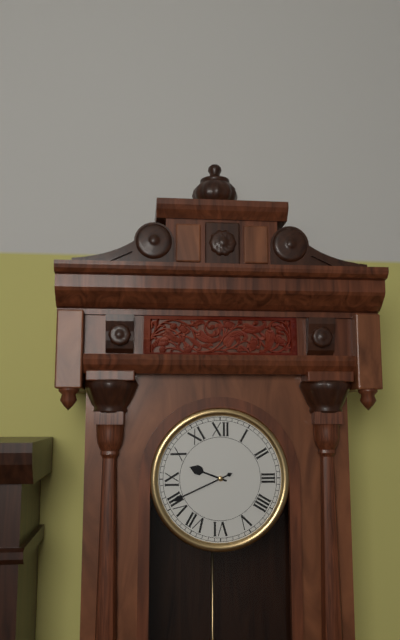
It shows 9.41
